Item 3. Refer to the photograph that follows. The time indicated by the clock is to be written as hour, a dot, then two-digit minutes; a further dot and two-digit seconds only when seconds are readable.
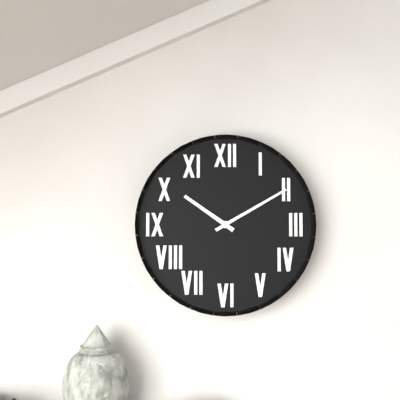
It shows 10.10
